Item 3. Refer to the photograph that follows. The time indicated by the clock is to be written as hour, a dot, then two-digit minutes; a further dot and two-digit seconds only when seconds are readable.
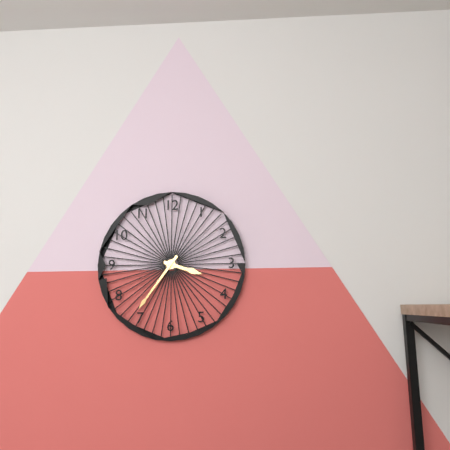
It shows 3.36
